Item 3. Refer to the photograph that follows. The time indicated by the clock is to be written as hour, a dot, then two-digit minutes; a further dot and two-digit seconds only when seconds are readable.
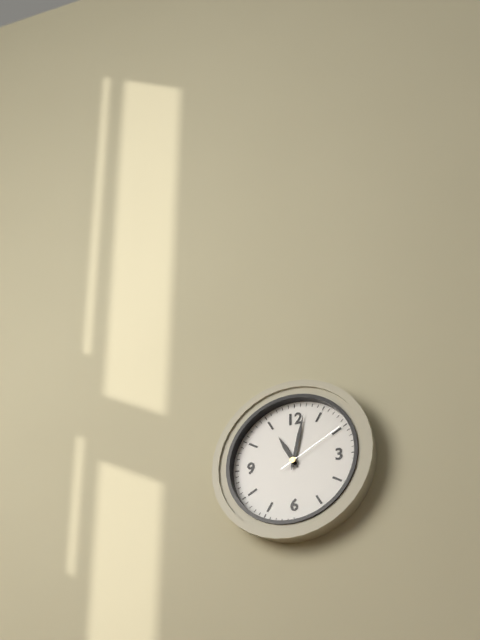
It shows 11.02.10
